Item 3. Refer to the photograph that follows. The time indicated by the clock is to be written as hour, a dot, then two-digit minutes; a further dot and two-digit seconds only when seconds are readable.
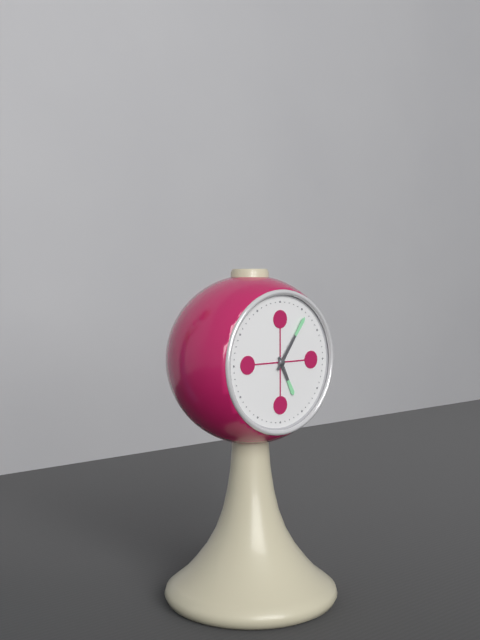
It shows 5.06
